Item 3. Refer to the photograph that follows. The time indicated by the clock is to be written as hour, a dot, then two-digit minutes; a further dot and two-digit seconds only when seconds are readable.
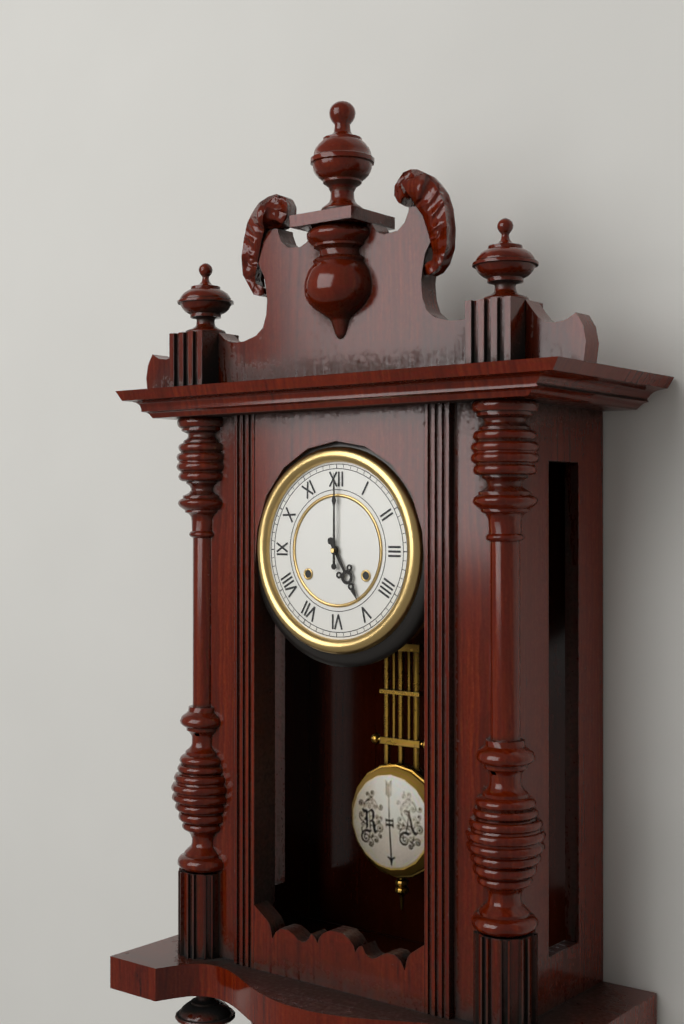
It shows 5.00
